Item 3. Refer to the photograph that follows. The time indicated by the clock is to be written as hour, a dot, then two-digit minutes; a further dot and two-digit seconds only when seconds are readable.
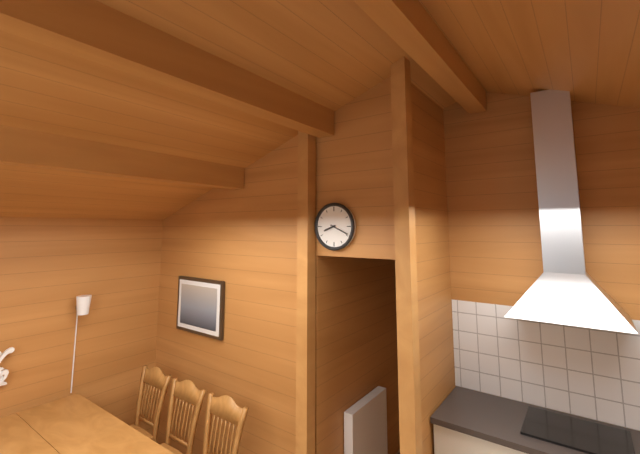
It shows 8.19
